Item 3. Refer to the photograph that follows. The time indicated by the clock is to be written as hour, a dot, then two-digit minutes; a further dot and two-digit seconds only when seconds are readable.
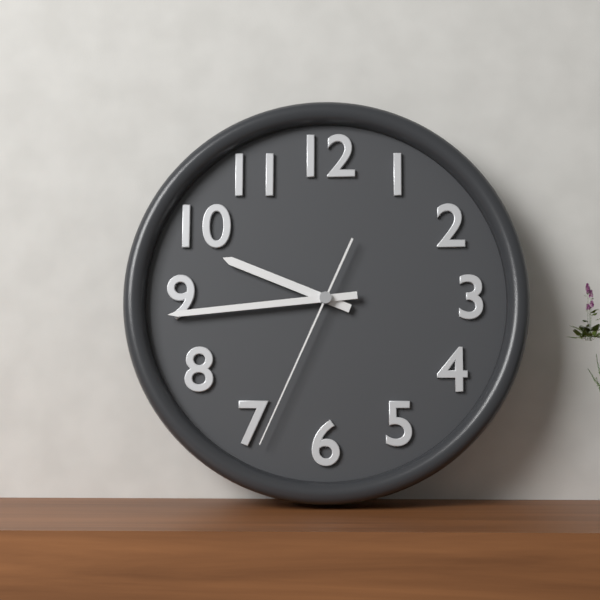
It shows 9.44.34
